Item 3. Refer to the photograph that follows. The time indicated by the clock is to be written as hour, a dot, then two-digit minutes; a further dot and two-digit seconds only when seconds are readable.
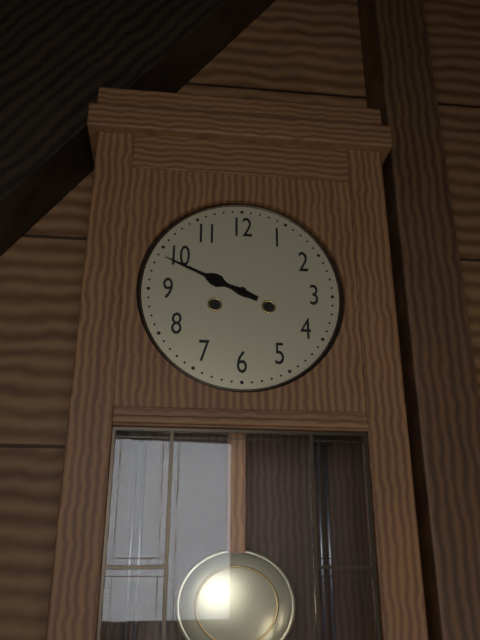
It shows 9.49
